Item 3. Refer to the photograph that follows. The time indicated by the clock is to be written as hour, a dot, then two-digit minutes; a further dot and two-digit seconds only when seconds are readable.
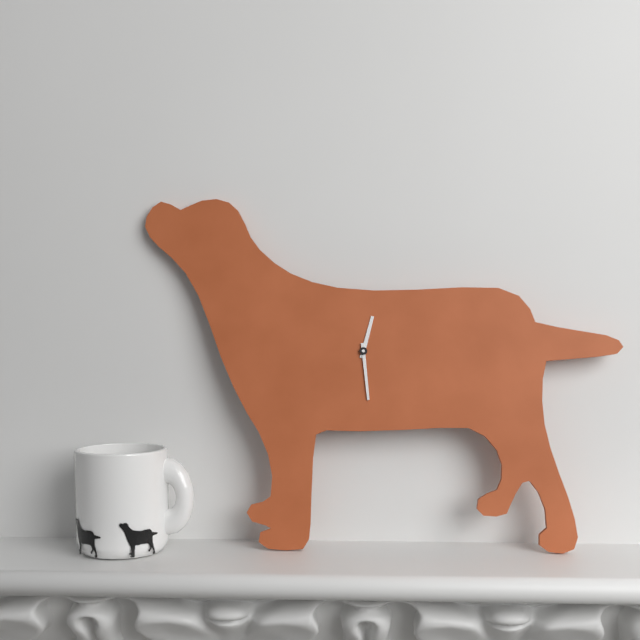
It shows 12.29
